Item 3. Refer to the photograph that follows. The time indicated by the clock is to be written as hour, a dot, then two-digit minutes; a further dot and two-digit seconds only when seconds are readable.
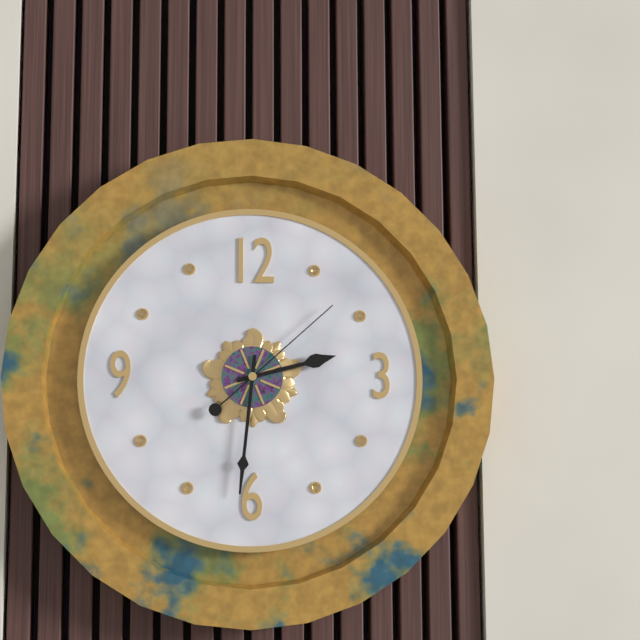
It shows 2.31.08
